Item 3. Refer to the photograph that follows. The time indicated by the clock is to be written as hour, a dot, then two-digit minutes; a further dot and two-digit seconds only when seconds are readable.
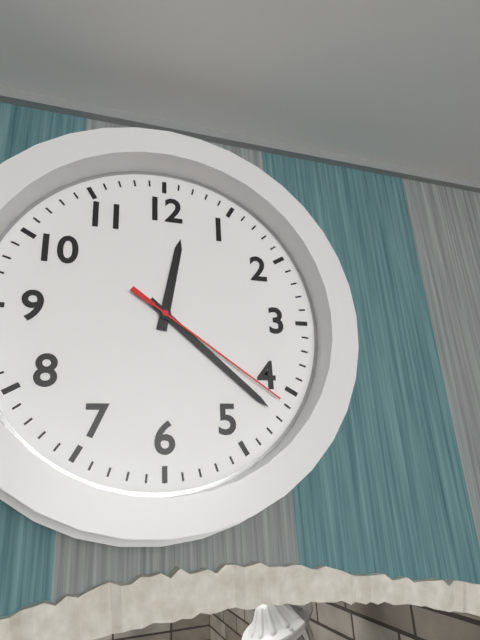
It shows 12.22.21
